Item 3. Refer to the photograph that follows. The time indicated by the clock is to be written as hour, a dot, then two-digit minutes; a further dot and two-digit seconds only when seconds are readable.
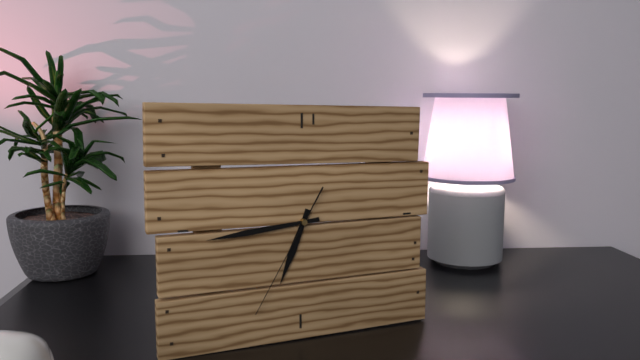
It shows 6.44.35
